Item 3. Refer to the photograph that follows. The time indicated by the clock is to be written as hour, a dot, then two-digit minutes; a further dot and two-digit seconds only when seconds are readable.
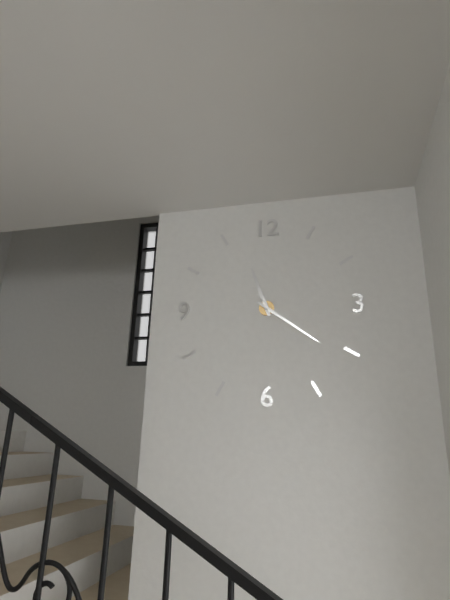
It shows 11.21
